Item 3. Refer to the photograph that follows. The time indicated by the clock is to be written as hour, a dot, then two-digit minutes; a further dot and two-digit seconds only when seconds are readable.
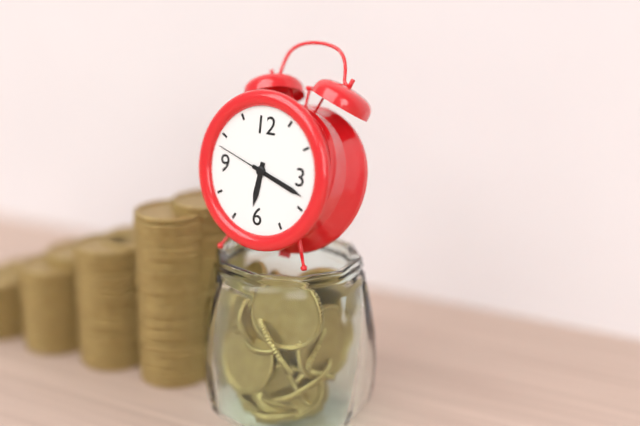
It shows 6.18.48
